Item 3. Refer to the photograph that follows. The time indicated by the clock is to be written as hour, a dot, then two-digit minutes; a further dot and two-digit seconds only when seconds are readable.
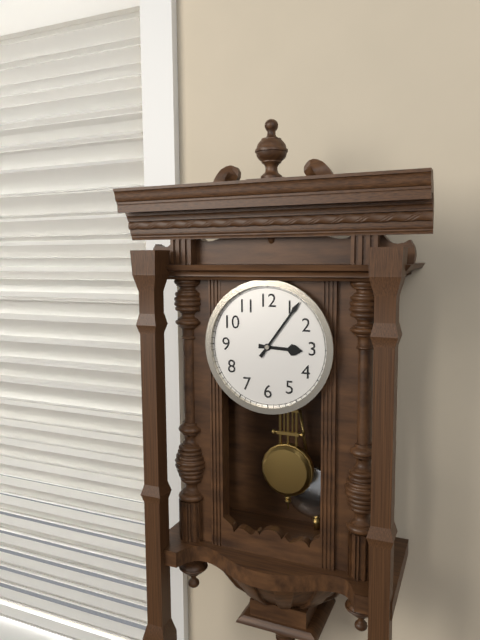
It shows 3.06
